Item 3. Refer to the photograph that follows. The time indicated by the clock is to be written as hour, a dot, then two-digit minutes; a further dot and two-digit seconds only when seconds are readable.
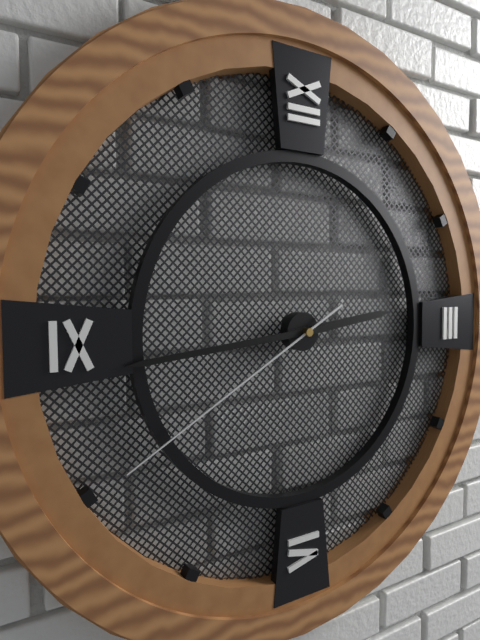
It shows 2.44.40
